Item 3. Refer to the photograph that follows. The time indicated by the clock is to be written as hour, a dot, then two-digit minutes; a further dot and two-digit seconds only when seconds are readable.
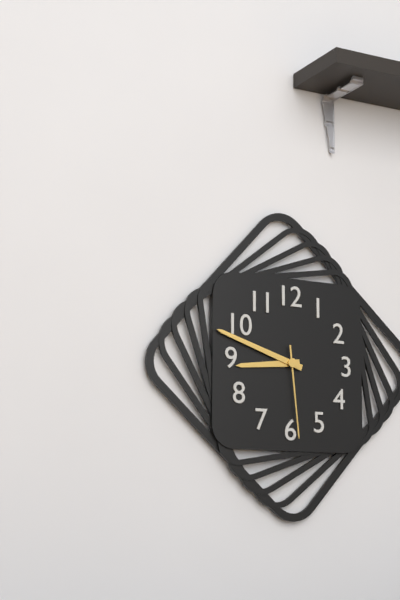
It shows 8.48.29
